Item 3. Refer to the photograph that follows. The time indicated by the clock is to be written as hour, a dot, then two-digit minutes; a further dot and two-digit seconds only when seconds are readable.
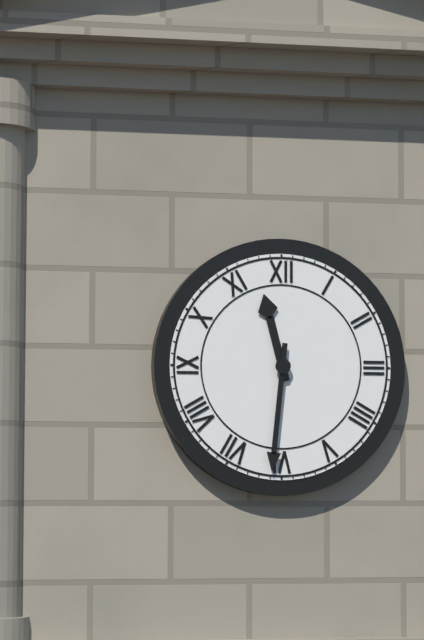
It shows 11.31
